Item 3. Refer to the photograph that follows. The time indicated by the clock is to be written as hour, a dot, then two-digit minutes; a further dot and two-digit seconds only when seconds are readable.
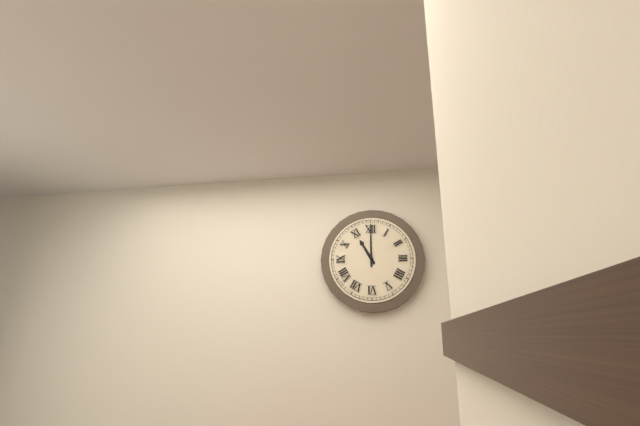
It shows 11.00
